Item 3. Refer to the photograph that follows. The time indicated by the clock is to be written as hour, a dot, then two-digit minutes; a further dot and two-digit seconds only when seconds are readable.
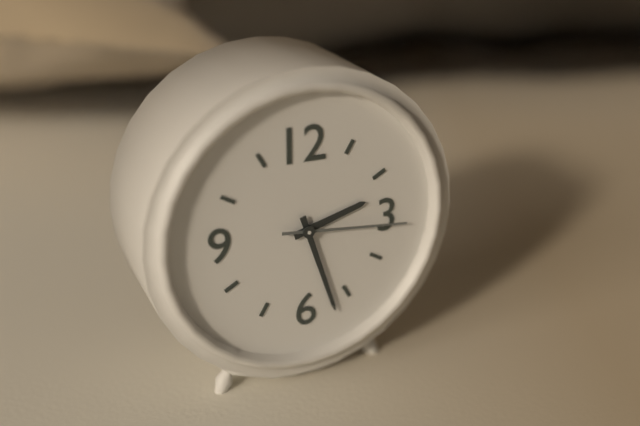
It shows 2.27.16
